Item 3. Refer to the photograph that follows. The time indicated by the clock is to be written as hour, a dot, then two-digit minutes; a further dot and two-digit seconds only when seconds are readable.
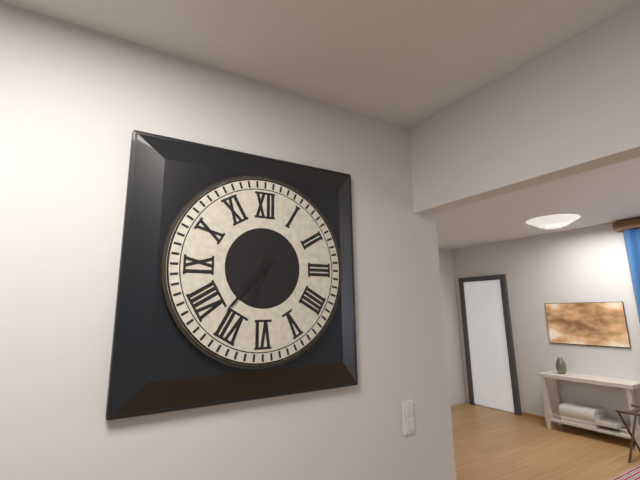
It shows 6.37
